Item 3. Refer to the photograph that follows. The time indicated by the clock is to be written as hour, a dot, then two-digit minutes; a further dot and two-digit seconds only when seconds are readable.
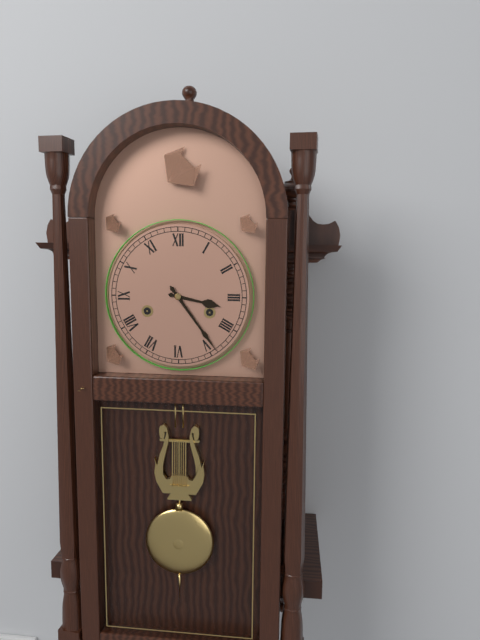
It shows 3.24
